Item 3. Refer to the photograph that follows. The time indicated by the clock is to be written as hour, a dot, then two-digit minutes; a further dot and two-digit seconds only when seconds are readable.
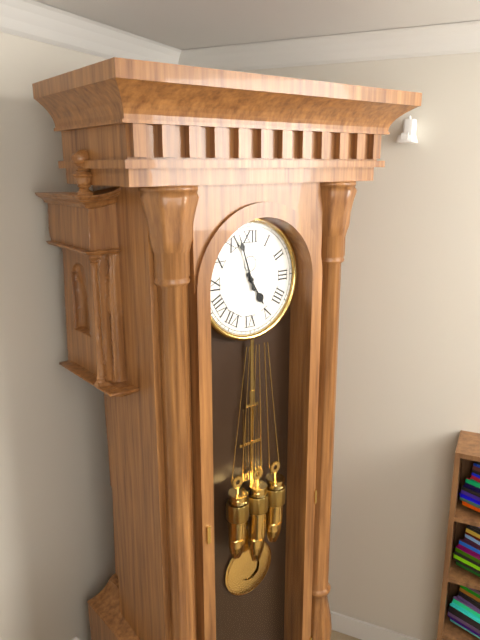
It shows 4.57
